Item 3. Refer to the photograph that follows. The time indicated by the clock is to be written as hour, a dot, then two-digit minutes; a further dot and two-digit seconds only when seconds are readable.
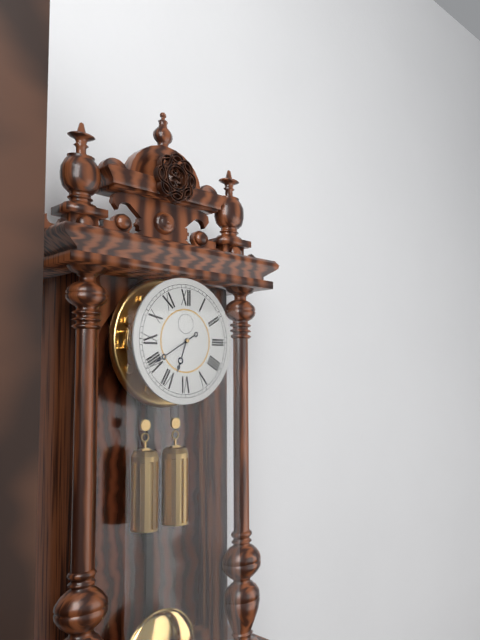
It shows 6.40
